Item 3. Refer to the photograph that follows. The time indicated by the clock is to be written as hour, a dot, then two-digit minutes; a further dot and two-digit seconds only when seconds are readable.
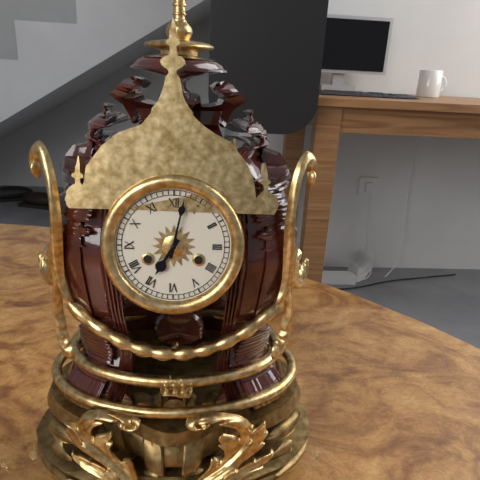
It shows 7.02
